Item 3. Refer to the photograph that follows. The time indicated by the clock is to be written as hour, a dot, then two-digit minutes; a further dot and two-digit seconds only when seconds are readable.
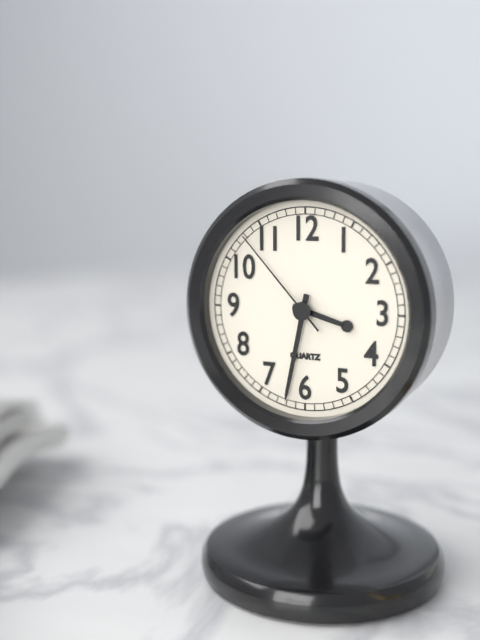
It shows 3.32.53
